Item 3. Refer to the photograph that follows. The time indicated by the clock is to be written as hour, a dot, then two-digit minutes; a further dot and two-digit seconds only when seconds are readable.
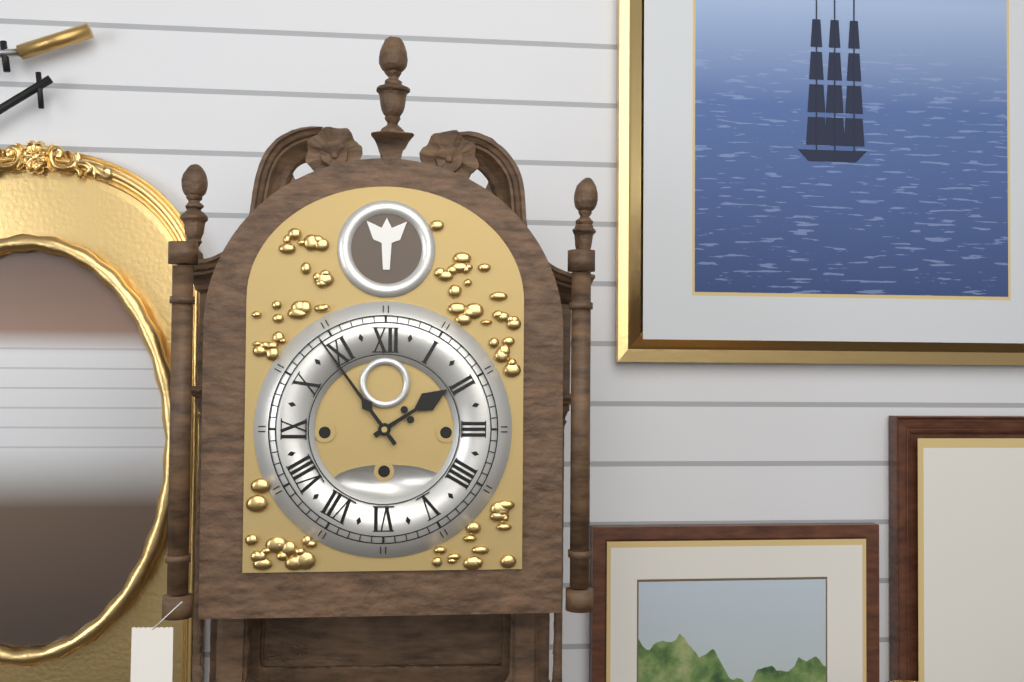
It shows 1.54
